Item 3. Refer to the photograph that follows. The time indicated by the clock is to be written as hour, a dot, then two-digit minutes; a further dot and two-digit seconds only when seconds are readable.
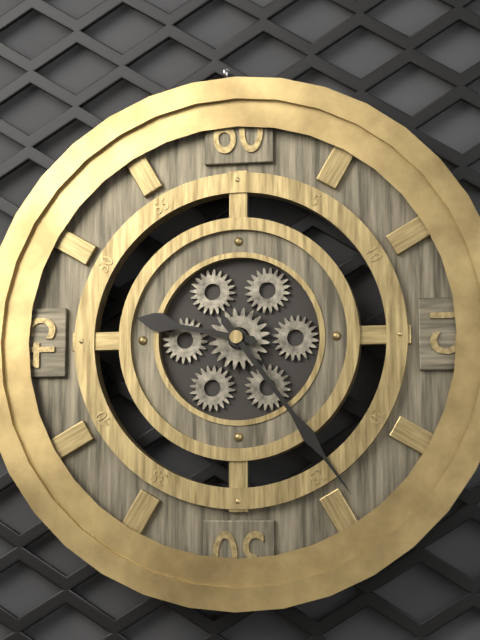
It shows 9.24
